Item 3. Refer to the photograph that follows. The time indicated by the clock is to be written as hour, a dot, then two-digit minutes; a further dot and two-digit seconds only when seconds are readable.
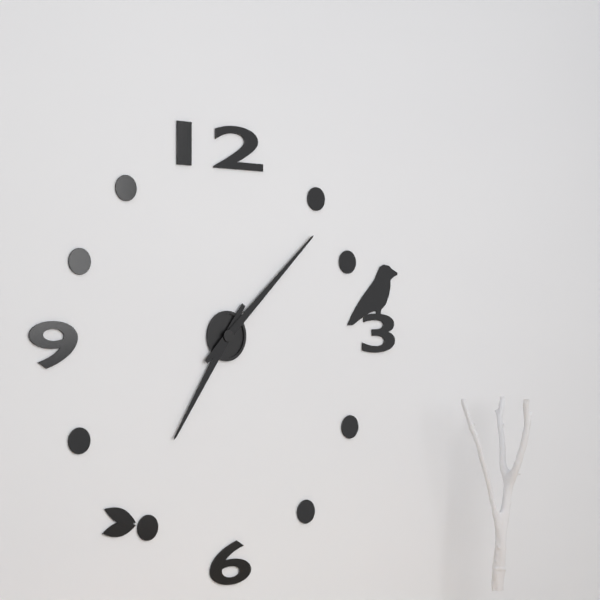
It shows 7.08
